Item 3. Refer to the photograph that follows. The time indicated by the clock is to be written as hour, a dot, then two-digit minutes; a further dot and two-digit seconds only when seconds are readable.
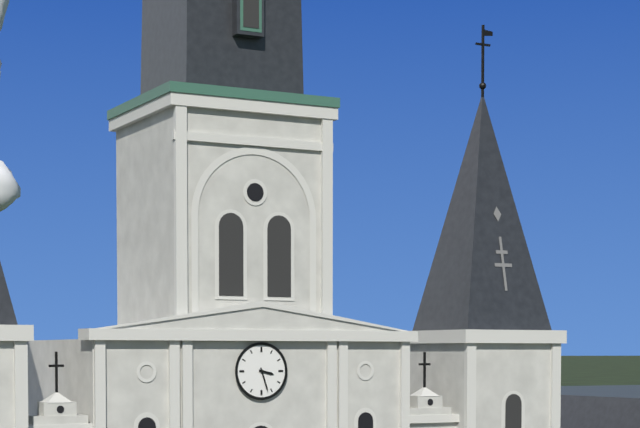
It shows 3.27
